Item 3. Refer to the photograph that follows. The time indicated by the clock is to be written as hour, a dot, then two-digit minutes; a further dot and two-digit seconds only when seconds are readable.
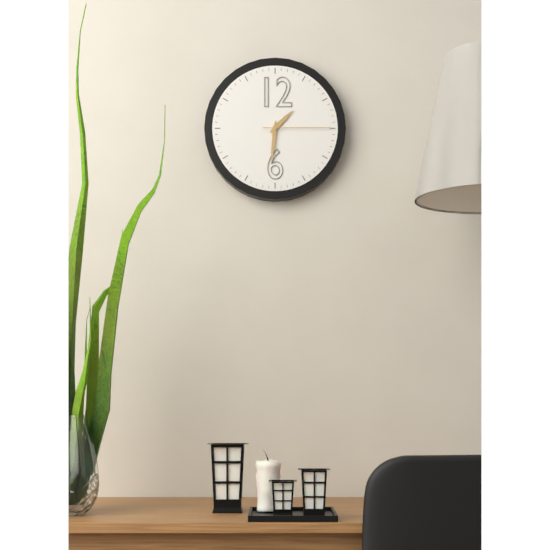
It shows 1.31.15
